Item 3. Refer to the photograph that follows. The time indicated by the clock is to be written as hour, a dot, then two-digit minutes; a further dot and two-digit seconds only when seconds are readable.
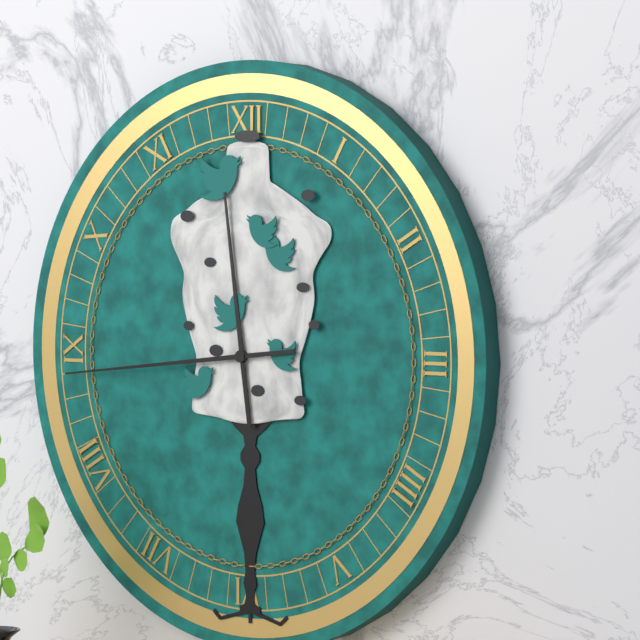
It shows 11.44
